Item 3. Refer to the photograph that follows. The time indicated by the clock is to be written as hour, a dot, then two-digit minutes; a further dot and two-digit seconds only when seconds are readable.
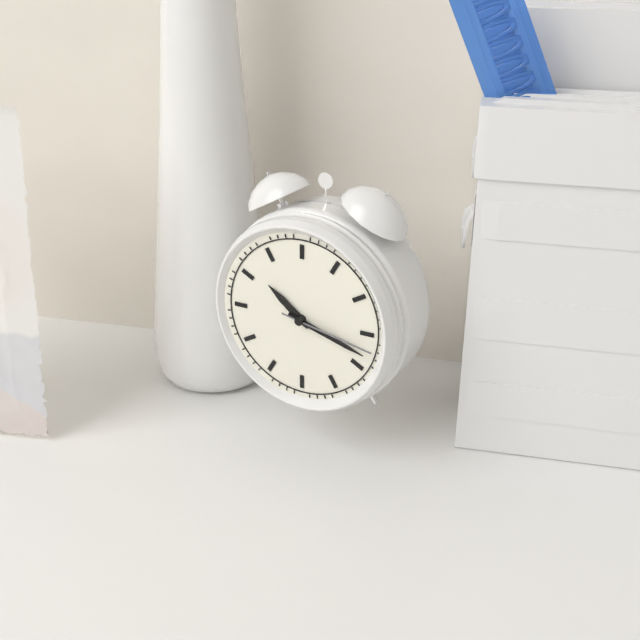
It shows 10.18.17
